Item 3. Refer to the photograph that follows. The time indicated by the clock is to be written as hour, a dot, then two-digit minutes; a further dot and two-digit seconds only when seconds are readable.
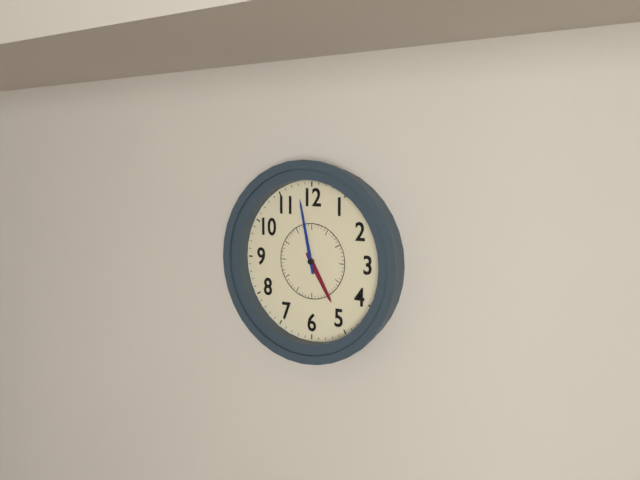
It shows 4.58
